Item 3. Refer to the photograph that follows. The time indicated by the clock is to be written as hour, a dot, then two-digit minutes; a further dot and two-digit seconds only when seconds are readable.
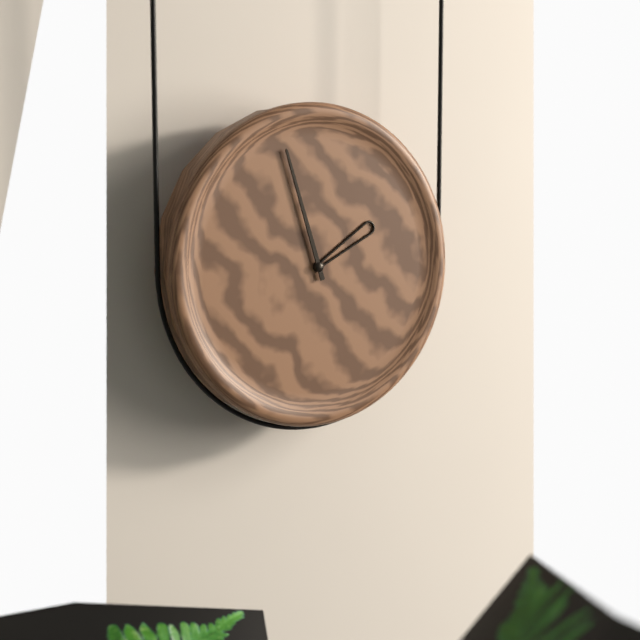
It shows 1.57
